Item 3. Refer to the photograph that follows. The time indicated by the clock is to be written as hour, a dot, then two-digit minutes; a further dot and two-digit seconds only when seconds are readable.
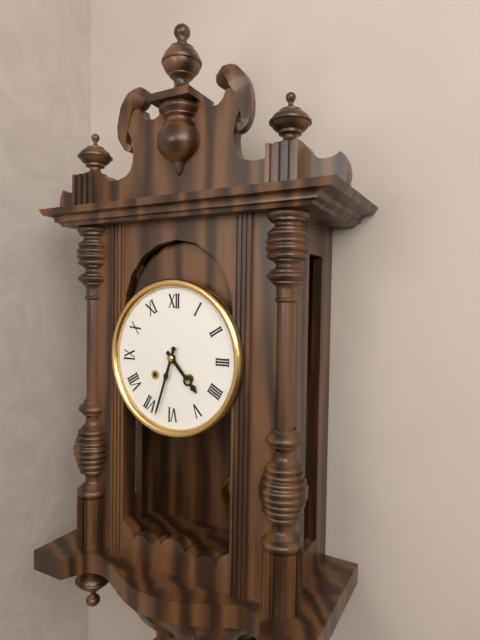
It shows 4.33
